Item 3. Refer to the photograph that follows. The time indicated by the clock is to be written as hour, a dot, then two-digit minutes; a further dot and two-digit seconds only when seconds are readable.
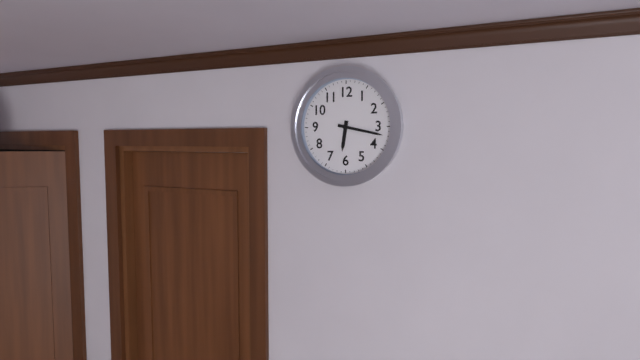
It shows 6.17
